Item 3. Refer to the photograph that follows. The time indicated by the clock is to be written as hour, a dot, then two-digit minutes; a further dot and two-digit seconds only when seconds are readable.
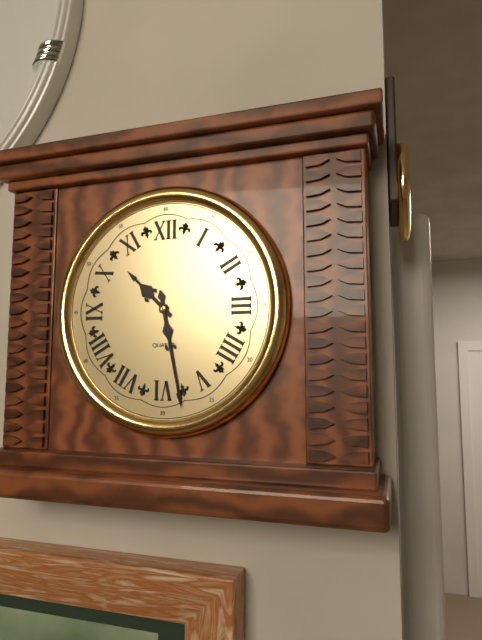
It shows 10.28
